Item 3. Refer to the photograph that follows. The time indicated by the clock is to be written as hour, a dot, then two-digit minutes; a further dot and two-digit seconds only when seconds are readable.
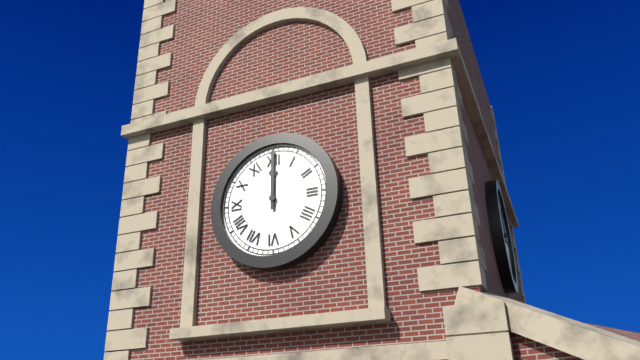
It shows 12.00
